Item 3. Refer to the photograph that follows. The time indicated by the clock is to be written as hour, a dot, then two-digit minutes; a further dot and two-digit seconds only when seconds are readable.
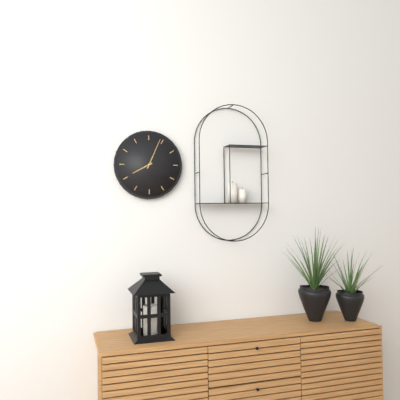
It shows 8.04
